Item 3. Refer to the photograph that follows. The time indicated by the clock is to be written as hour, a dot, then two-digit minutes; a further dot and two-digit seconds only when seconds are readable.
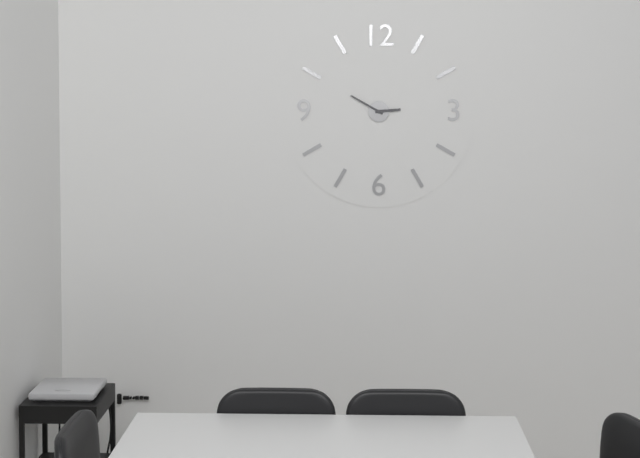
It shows 2.50
